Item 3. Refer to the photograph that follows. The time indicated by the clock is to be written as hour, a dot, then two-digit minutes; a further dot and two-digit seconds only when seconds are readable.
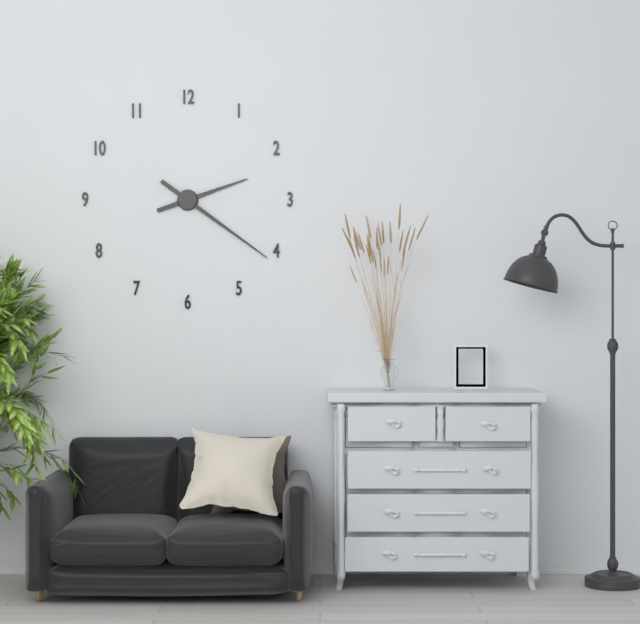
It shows 2.21
